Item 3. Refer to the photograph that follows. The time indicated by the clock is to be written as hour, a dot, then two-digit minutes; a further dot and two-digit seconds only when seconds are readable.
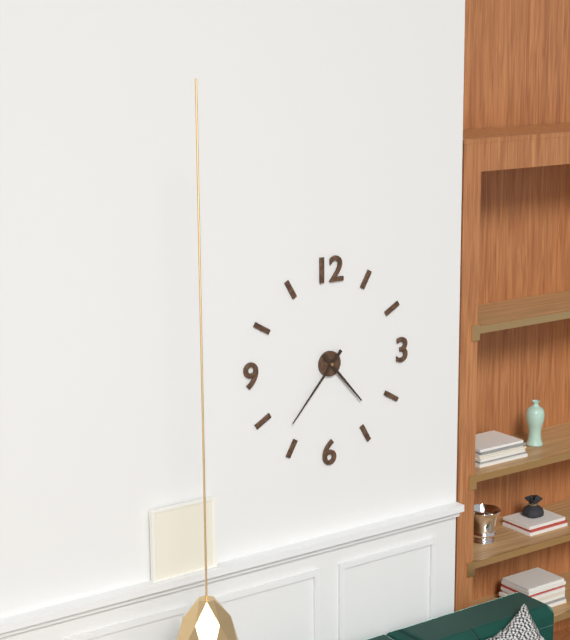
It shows 4.37
